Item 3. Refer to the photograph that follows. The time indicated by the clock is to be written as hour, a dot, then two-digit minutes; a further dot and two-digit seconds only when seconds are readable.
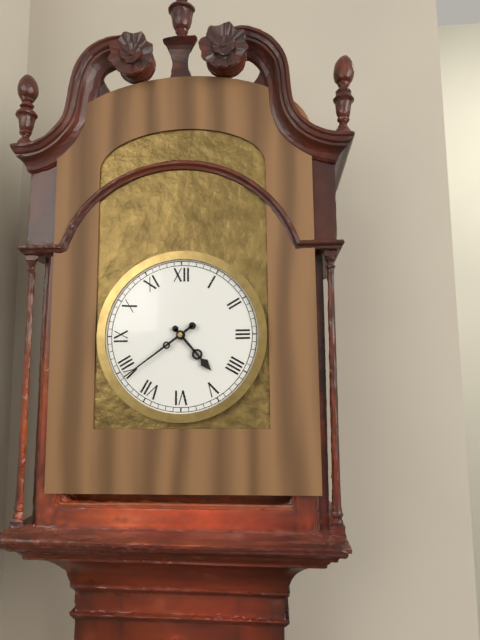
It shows 4.39
